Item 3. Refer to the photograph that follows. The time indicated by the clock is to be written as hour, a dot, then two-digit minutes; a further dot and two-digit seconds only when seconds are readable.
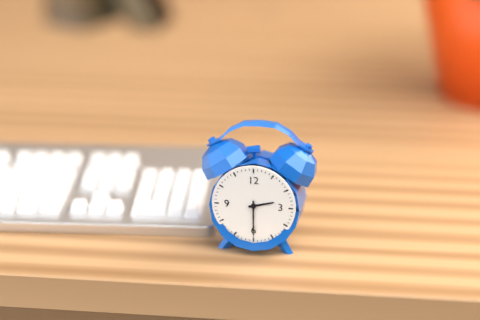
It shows 2.30
